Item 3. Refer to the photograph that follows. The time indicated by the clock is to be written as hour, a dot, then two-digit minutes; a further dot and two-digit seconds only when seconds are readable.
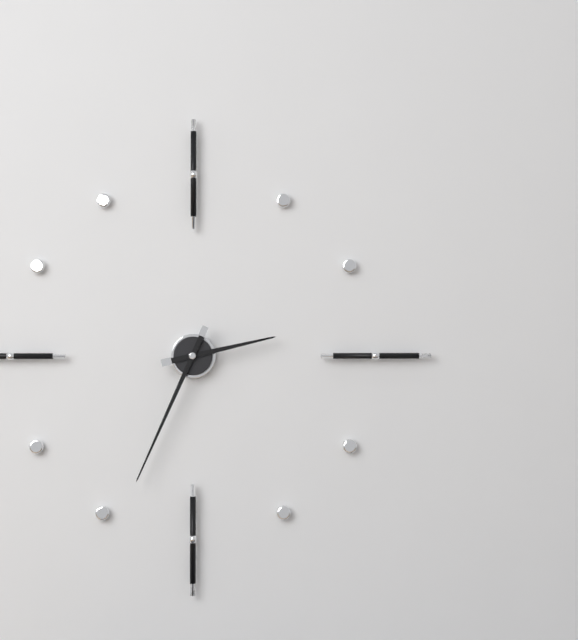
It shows 2.34
